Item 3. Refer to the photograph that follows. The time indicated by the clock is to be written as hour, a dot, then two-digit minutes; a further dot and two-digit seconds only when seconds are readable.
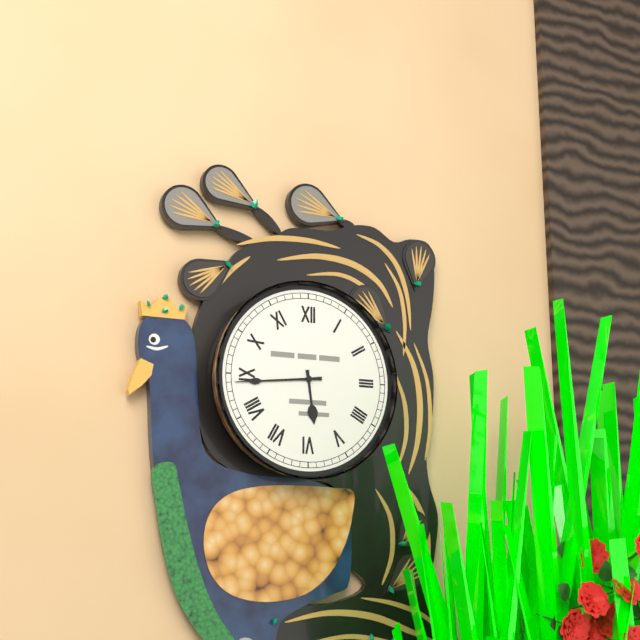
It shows 5.44
